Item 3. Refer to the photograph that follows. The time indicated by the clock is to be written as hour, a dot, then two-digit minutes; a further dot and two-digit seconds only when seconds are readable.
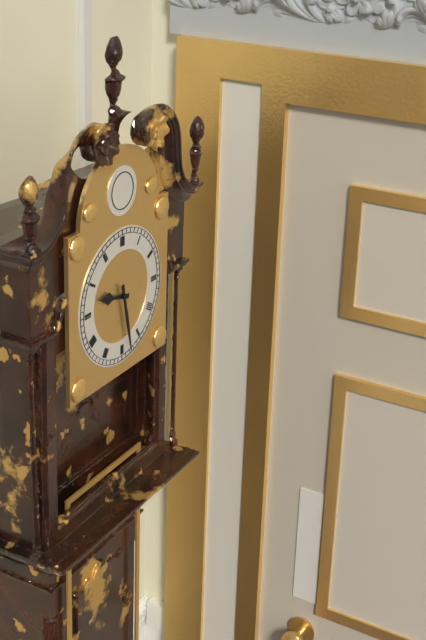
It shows 9.28
